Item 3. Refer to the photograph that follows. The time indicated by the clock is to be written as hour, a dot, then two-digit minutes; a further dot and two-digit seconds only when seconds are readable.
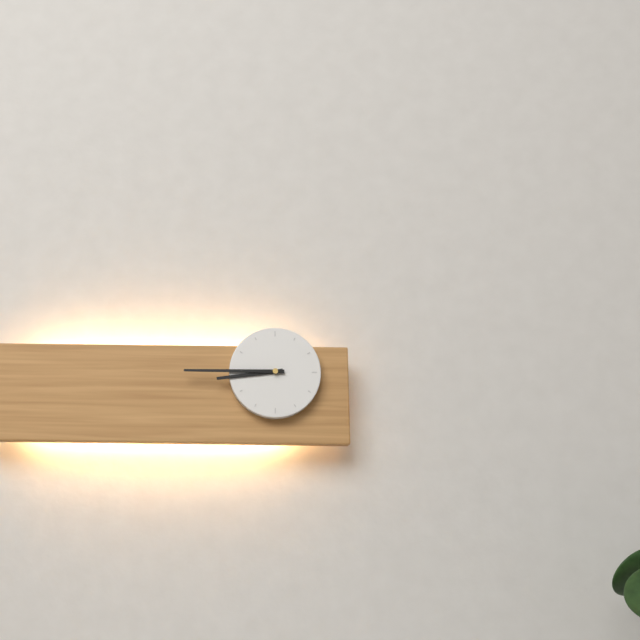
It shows 8.45
